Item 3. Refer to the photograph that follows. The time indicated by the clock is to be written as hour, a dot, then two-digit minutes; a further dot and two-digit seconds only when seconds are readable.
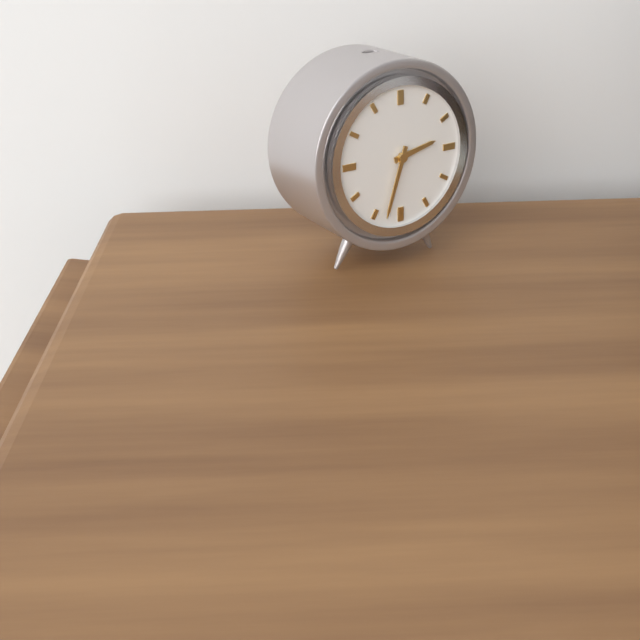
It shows 2.33
